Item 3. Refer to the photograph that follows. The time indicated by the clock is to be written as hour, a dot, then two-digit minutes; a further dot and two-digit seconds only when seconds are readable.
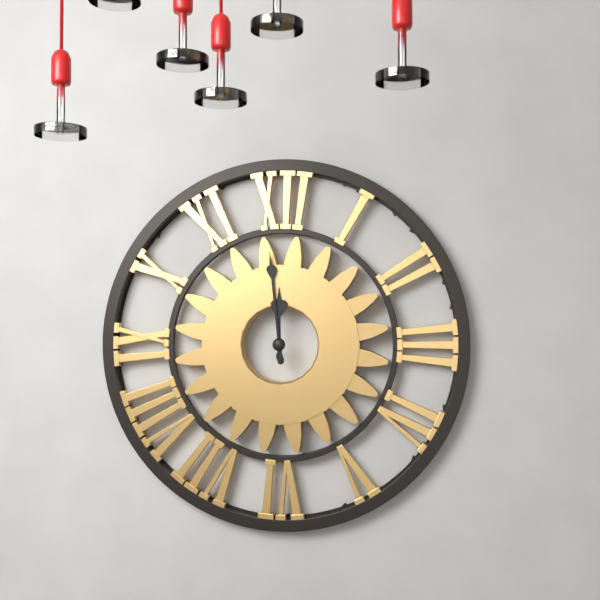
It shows 11.59
